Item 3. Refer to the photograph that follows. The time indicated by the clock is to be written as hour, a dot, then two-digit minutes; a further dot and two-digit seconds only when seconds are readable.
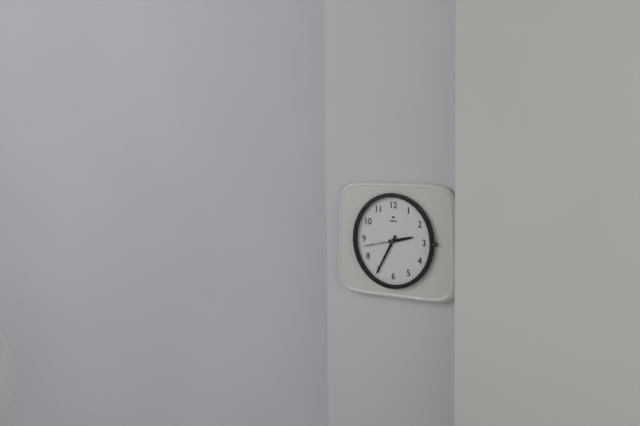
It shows 2.35
